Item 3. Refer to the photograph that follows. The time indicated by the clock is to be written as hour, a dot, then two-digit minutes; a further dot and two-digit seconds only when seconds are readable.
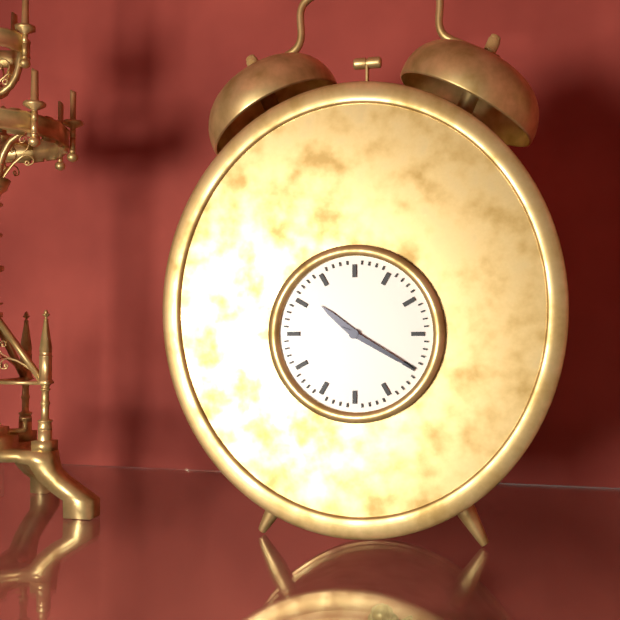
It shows 10.20
